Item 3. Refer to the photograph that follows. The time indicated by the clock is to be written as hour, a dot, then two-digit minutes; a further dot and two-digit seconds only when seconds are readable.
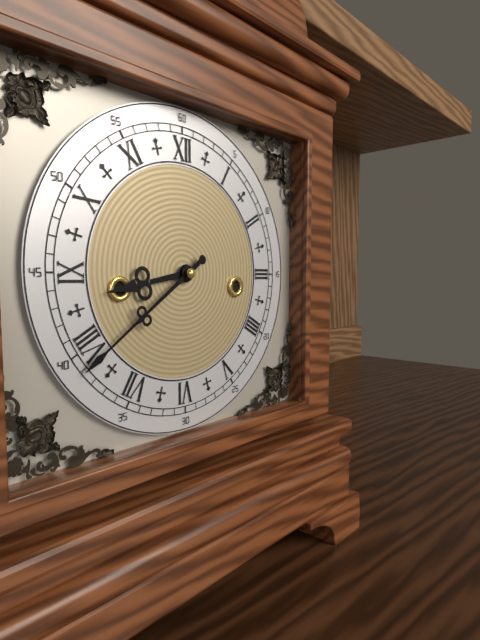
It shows 8.39
